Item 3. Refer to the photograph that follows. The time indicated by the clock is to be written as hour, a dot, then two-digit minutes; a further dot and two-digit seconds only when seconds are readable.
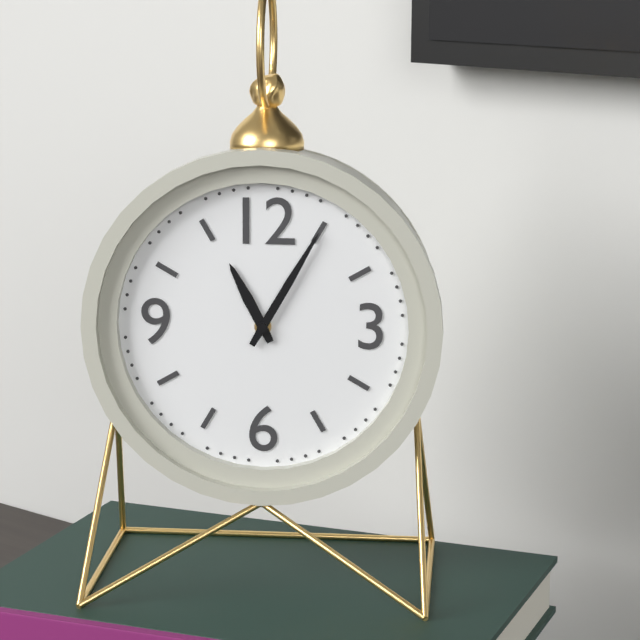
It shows 11.05
